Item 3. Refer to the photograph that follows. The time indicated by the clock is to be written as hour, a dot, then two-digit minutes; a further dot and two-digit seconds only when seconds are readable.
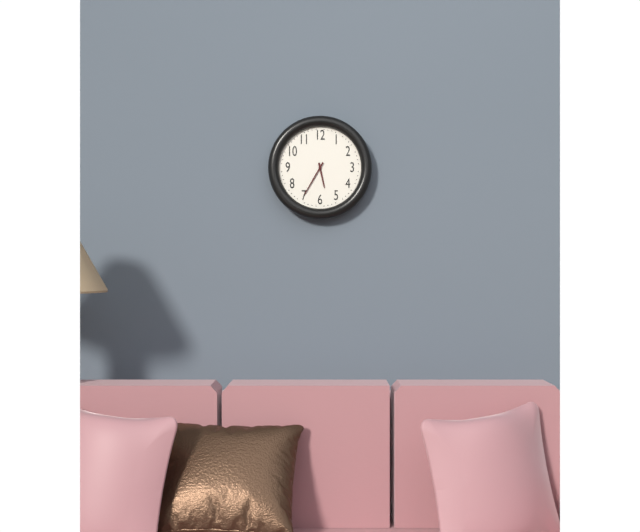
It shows 5.35
